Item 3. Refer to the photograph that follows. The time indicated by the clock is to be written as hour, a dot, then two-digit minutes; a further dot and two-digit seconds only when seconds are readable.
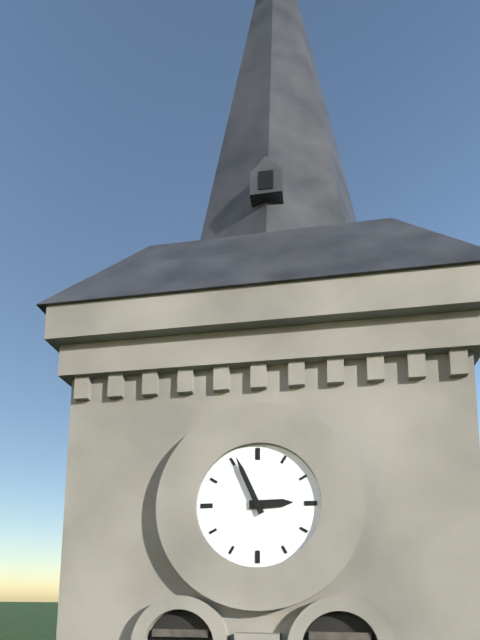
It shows 2.56
